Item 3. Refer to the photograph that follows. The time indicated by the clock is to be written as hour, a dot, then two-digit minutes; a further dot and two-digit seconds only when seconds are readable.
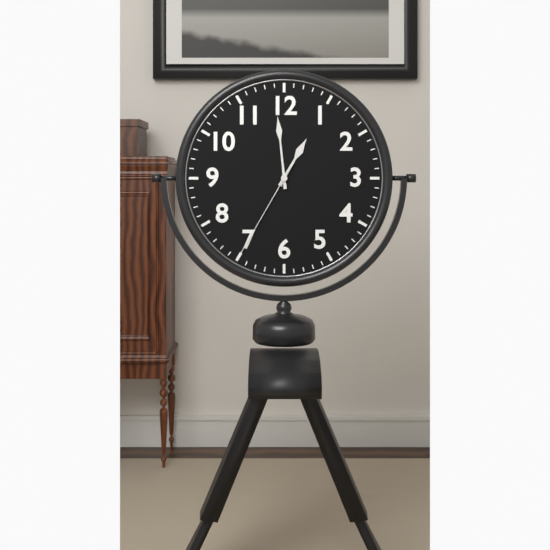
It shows 12.59.35
